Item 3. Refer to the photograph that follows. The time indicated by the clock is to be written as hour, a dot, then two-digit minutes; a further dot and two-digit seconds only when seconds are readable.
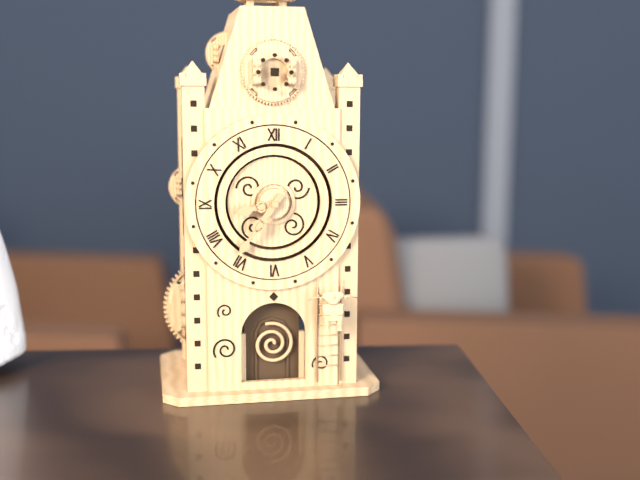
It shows 8.36
